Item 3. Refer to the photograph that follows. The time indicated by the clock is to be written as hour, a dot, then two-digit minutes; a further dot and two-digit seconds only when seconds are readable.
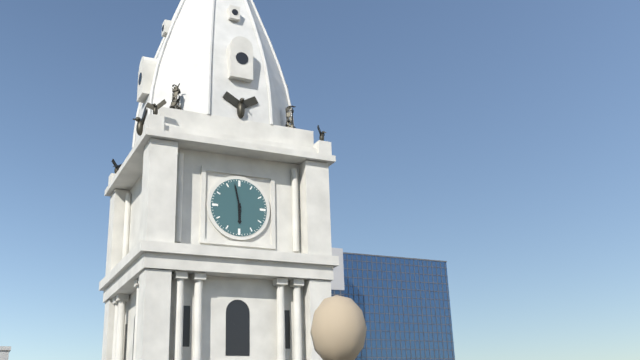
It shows 5.58
